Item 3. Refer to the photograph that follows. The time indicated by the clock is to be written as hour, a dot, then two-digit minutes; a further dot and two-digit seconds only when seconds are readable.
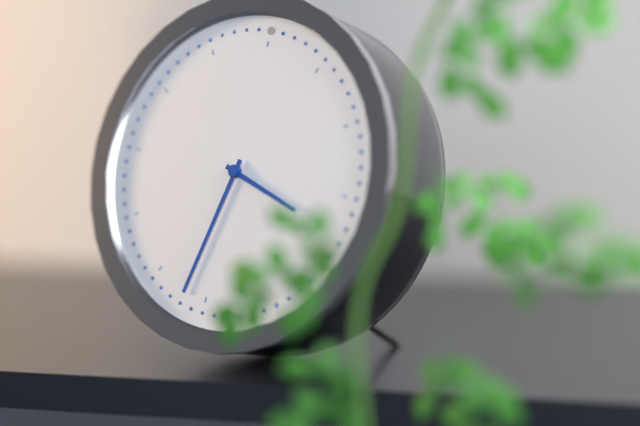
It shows 3.32
